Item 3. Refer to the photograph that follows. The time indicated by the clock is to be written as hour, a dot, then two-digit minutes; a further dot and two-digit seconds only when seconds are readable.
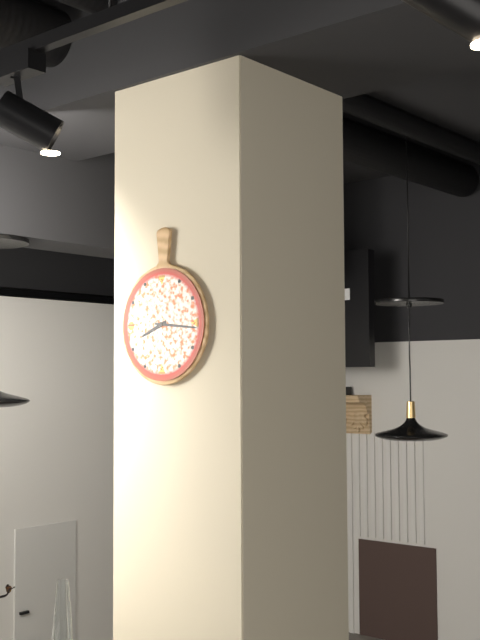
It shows 8.16
